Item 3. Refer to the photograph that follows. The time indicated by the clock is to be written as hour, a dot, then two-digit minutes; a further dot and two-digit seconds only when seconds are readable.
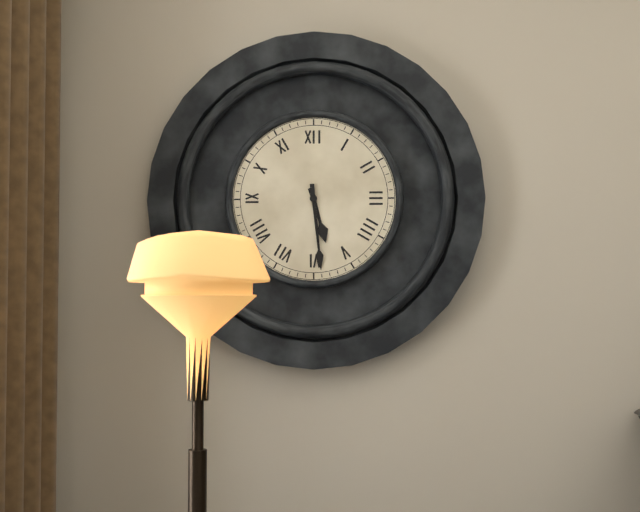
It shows 5.29
